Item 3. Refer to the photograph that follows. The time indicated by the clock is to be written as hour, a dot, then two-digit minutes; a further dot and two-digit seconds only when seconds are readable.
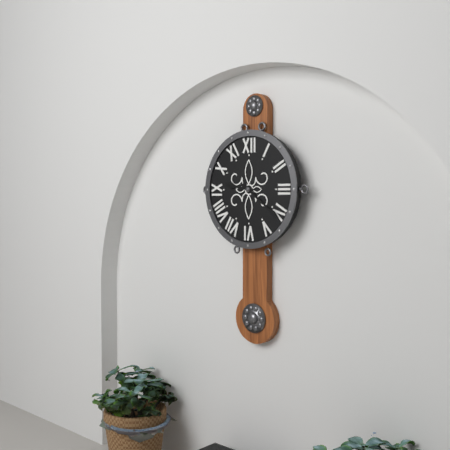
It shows 9.21
